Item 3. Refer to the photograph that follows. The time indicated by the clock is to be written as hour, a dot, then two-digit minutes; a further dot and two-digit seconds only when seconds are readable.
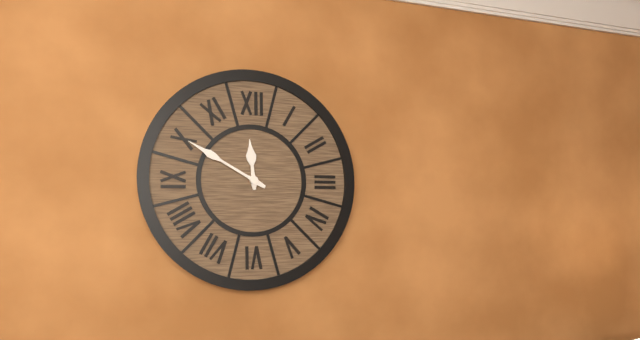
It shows 11.50
